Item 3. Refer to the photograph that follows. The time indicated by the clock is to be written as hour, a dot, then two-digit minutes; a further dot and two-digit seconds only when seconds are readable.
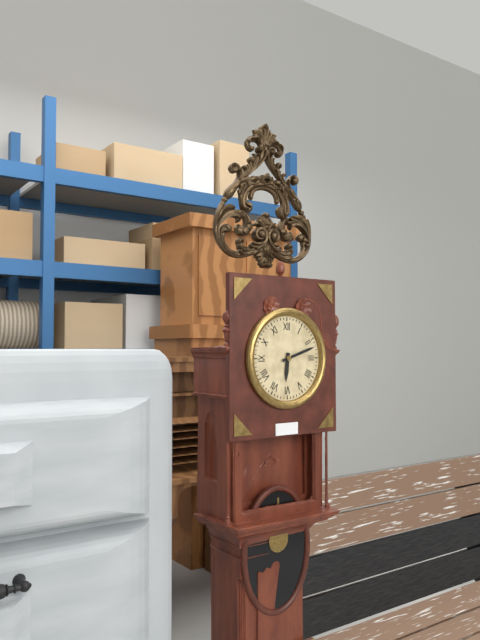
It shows 6.12
